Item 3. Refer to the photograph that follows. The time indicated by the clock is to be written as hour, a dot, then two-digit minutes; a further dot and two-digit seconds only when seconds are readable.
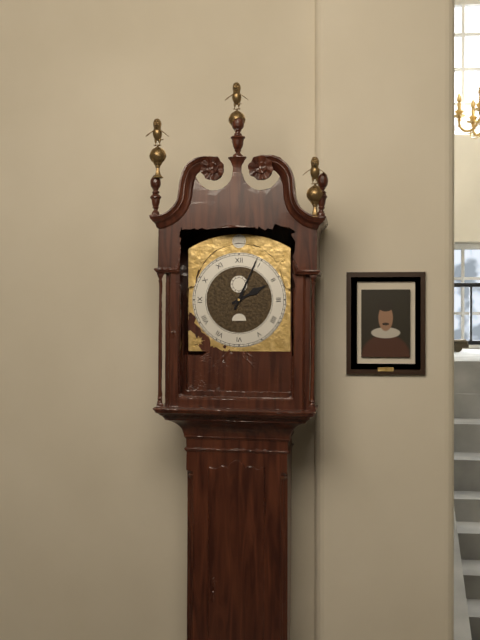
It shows 2.04
